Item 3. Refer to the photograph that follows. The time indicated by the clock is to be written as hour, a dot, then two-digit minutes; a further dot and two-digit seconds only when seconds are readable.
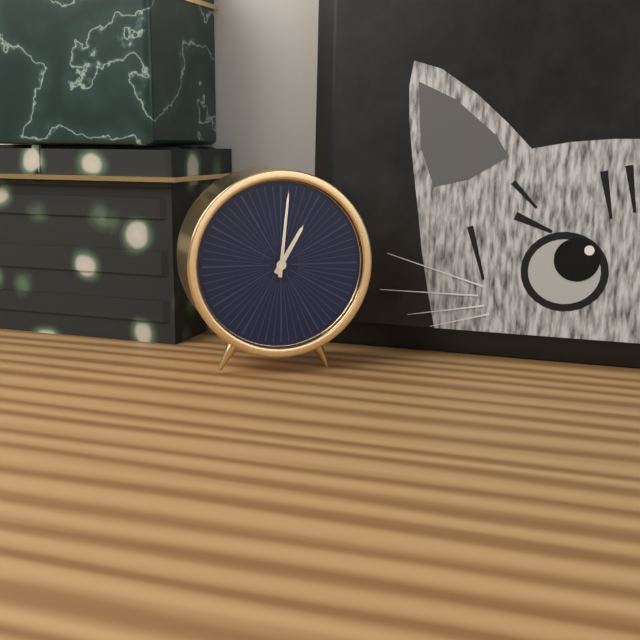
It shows 1.01
